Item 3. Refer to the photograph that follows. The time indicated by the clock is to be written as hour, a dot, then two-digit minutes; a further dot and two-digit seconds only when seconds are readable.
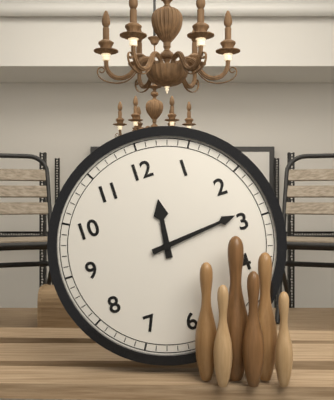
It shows 12.14
